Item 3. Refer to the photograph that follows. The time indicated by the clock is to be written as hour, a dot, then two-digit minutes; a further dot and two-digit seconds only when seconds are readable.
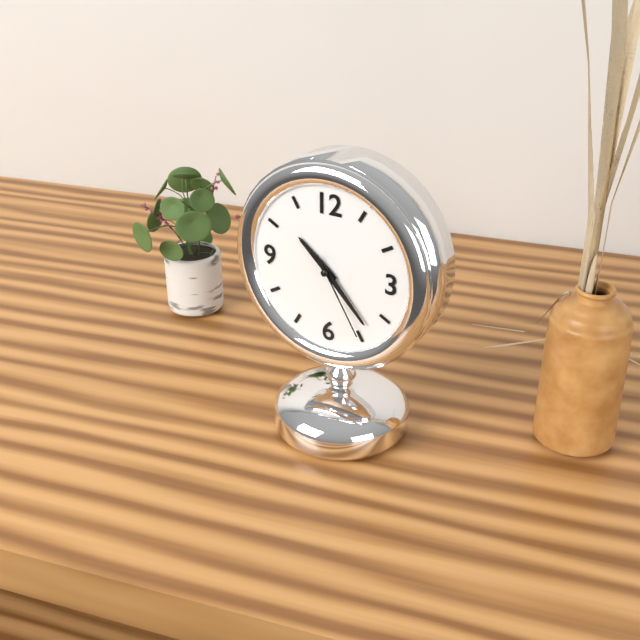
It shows 10.23.25
